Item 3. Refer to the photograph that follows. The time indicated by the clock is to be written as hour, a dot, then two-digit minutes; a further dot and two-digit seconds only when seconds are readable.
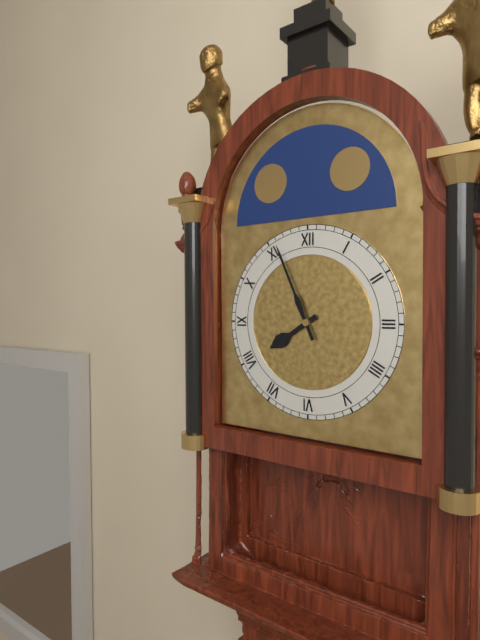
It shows 7.56
